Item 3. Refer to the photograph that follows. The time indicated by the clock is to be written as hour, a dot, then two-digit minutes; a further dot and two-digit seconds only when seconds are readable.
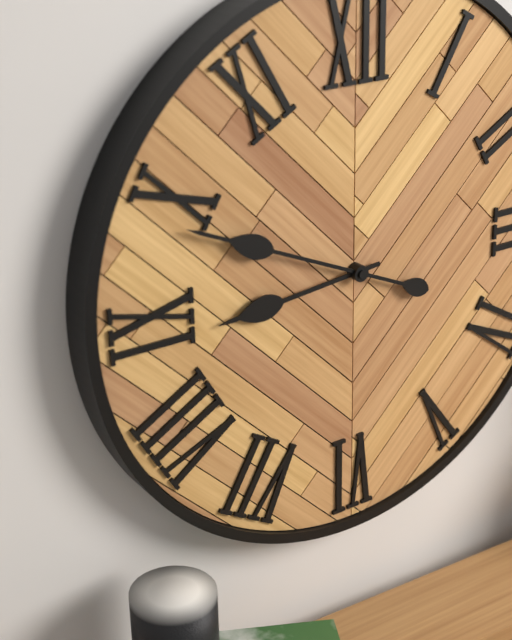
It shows 8.49
